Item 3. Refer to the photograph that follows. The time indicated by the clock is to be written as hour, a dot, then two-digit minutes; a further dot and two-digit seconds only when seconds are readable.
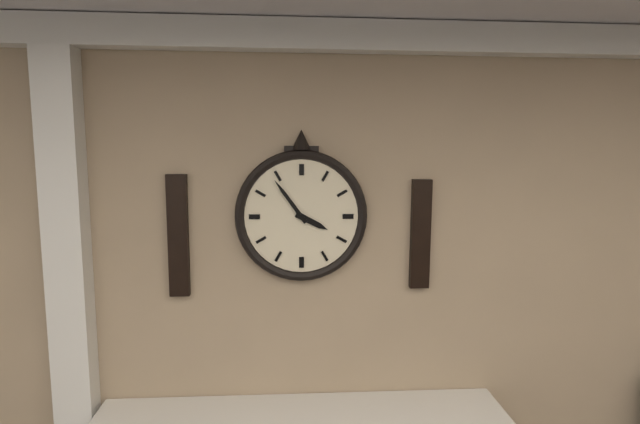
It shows 3.54
